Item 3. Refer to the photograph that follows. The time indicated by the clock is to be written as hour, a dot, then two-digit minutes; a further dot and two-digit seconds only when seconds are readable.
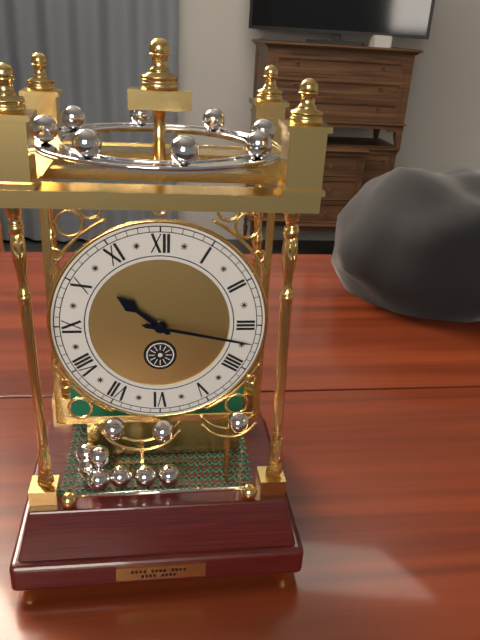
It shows 10.17
